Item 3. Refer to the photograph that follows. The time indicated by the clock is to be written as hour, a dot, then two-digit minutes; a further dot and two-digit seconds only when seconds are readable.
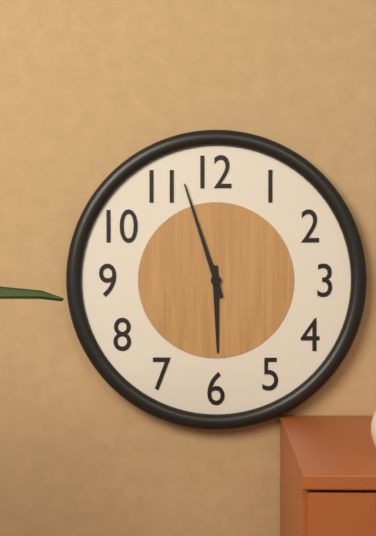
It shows 5.57
